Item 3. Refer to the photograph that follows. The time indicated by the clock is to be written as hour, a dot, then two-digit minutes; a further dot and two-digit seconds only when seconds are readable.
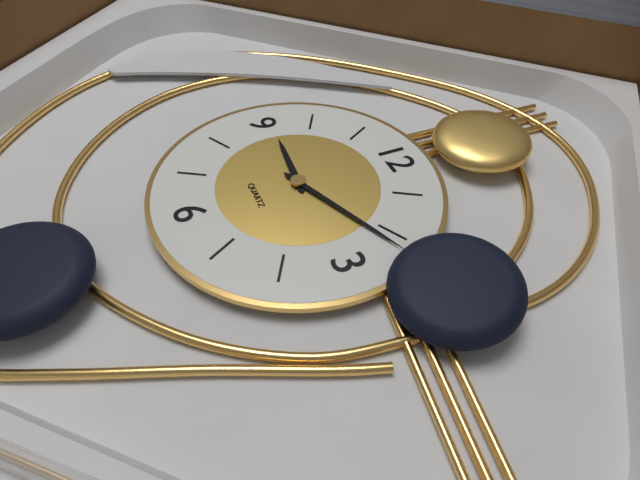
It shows 9.11
